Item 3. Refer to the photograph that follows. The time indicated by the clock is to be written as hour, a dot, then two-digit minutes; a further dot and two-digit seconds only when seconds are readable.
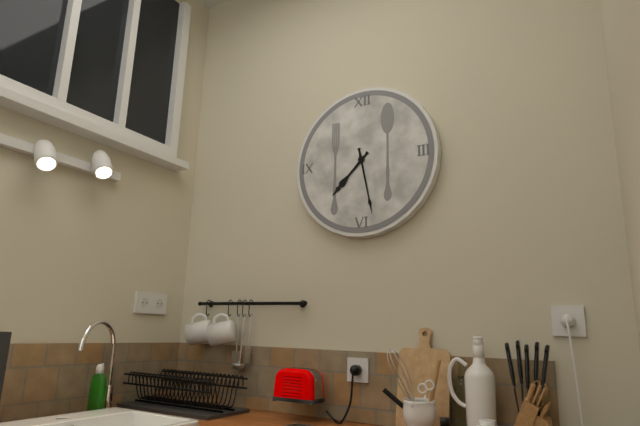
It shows 7.28
